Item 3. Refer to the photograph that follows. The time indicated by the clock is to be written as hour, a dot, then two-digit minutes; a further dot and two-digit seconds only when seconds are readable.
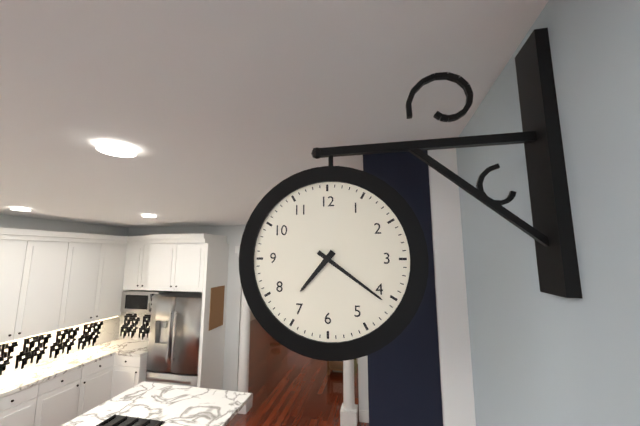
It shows 7.21
